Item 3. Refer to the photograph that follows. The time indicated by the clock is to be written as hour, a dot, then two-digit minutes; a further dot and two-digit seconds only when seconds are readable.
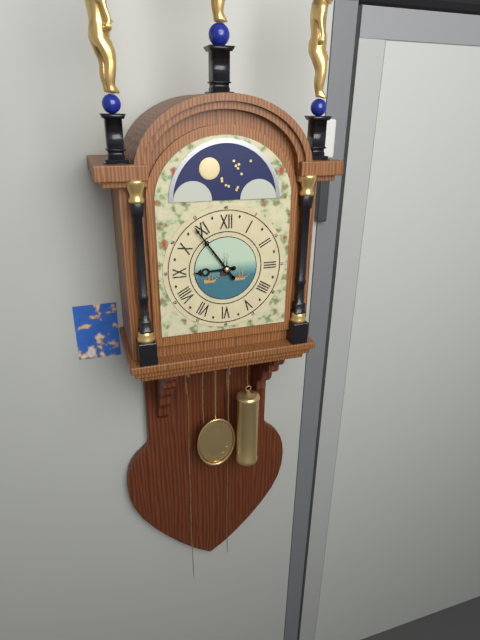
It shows 8.54
